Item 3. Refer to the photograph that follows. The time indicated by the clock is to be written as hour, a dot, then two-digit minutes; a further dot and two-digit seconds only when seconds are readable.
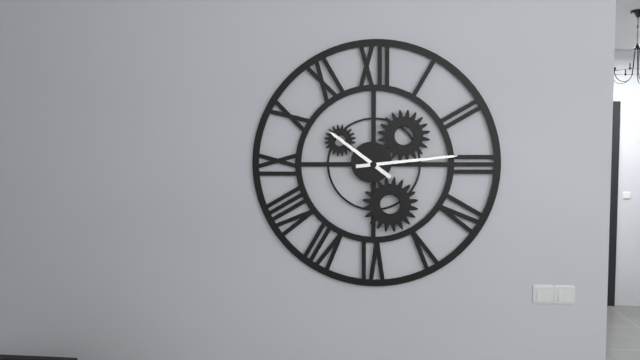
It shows 10.14
